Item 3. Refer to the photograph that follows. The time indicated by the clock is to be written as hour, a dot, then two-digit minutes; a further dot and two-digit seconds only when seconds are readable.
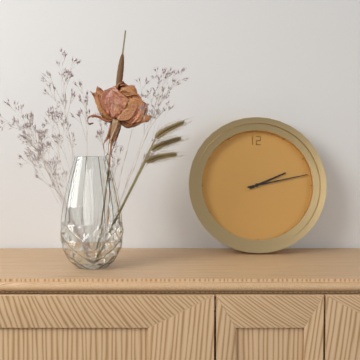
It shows 2.13
